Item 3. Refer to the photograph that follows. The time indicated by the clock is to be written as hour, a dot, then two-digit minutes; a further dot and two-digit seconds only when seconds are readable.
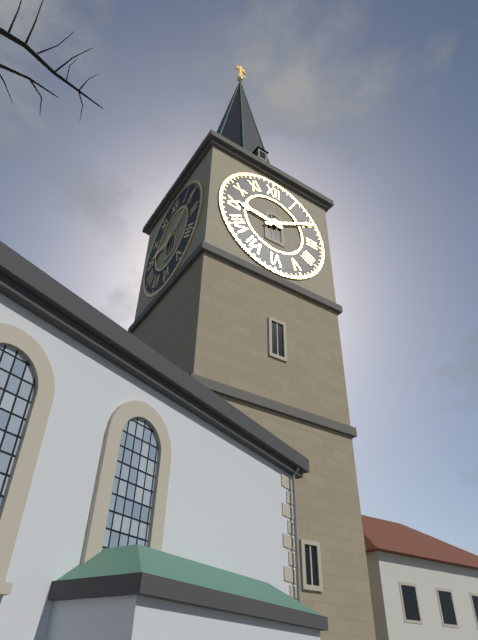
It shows 9.10
